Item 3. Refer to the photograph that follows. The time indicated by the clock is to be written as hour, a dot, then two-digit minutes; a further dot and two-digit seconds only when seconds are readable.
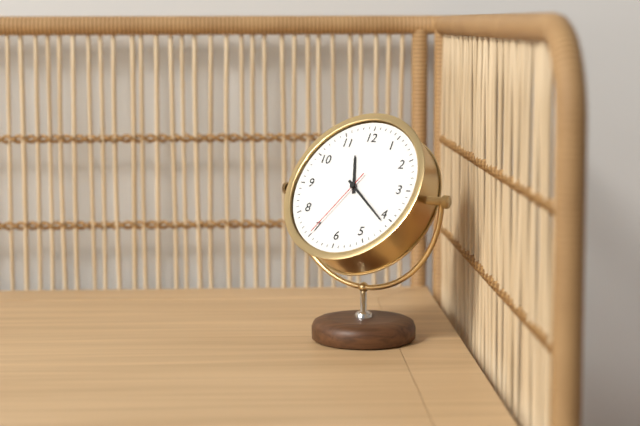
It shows 11.21.35
